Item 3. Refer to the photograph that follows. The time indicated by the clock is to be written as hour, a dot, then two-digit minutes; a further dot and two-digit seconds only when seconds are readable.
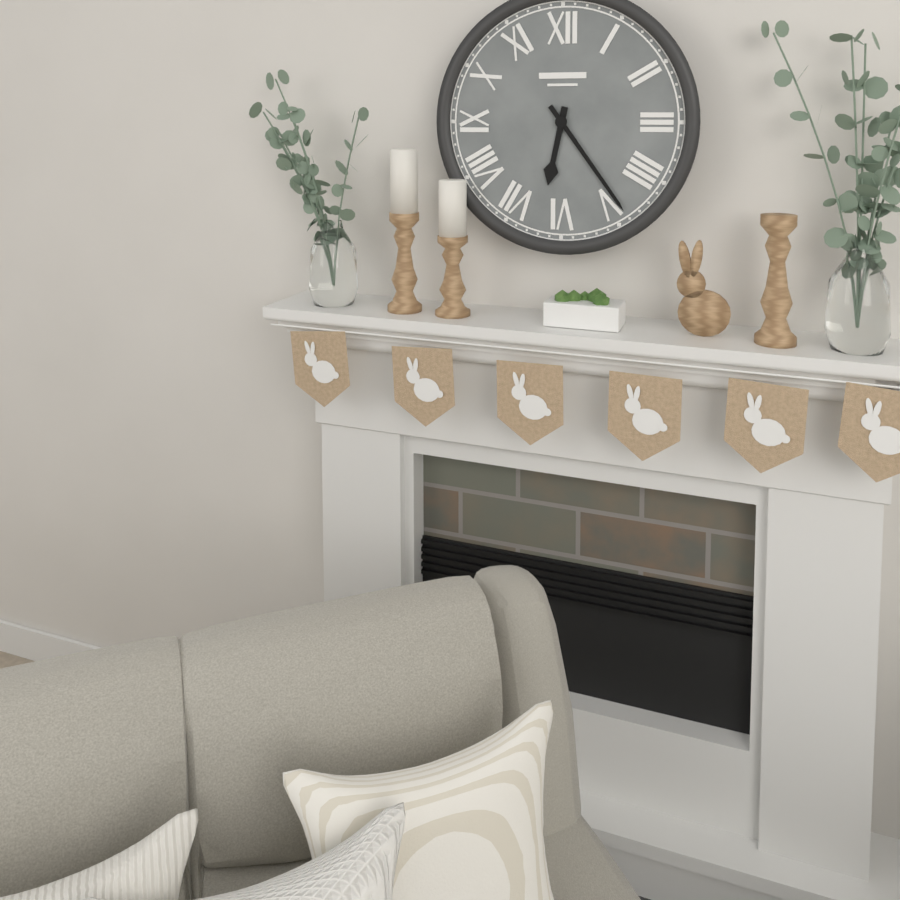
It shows 6.24
